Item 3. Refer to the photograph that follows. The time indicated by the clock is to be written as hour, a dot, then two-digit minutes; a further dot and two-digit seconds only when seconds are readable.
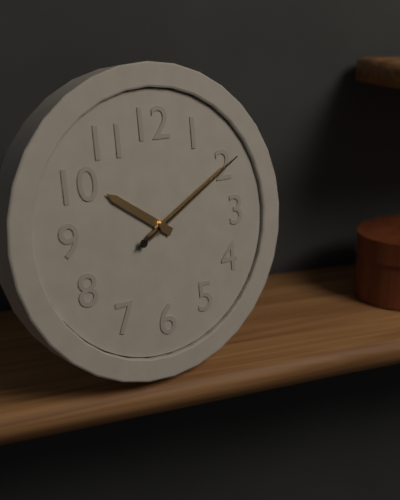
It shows 10.10.10
